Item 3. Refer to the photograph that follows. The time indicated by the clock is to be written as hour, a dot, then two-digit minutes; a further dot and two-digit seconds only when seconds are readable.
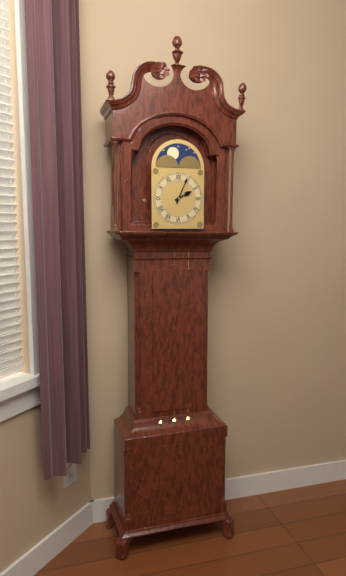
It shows 2.04
